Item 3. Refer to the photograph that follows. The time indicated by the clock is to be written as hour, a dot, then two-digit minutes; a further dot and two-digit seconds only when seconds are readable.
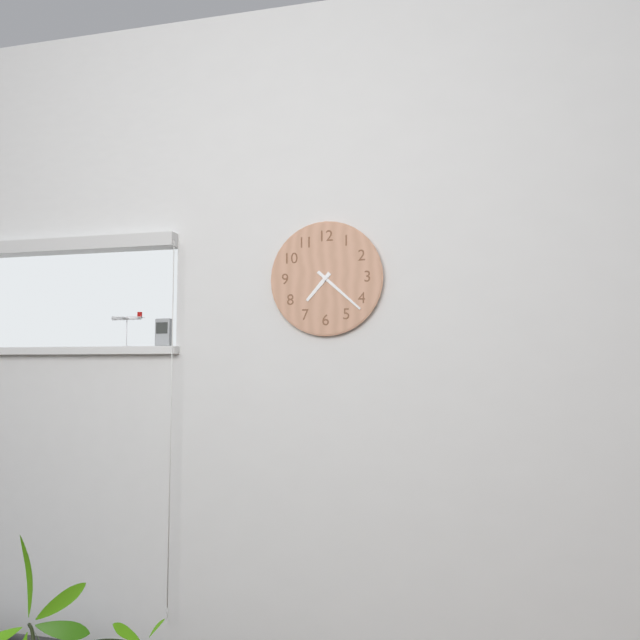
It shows 7.22
